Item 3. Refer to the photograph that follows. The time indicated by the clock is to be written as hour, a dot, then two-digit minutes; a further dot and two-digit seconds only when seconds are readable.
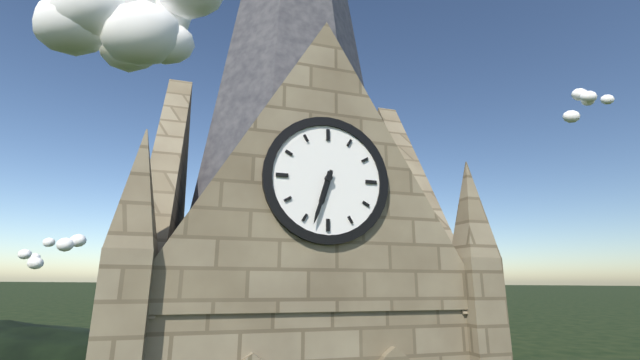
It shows 6.33
